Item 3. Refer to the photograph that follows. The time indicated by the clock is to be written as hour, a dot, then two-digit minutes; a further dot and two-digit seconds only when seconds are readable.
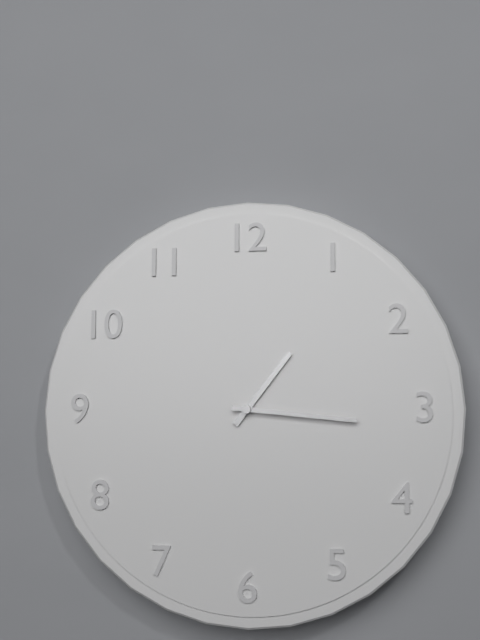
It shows 1.16
